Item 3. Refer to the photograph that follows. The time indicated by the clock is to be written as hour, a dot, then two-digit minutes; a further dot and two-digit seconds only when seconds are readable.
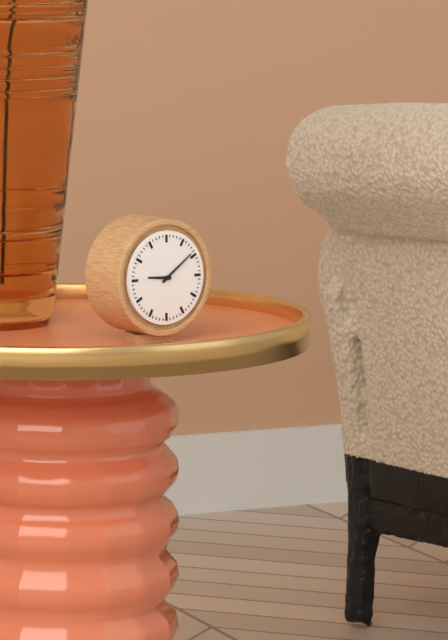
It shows 9.09
